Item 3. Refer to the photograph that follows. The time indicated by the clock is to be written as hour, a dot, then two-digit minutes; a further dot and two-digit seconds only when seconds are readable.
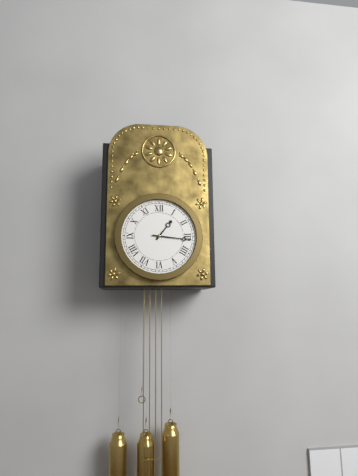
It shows 1.16
